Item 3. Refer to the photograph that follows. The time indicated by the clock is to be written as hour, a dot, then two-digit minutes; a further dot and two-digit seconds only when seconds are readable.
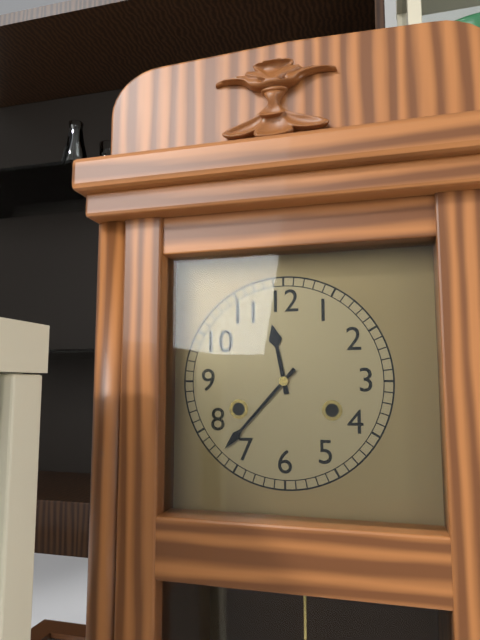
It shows 11.37
